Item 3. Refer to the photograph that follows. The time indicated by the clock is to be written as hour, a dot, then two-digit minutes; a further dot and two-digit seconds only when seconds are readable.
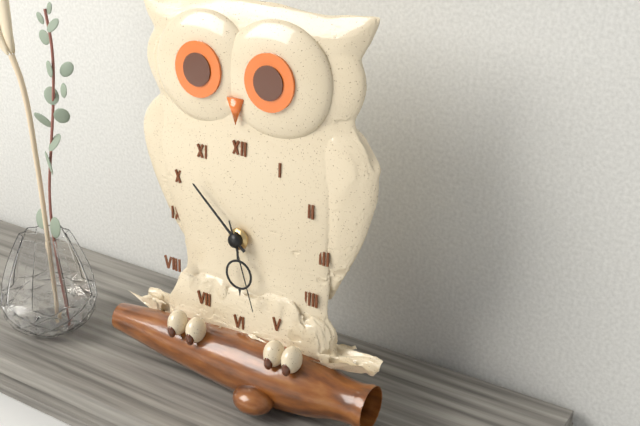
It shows 5.52.27
